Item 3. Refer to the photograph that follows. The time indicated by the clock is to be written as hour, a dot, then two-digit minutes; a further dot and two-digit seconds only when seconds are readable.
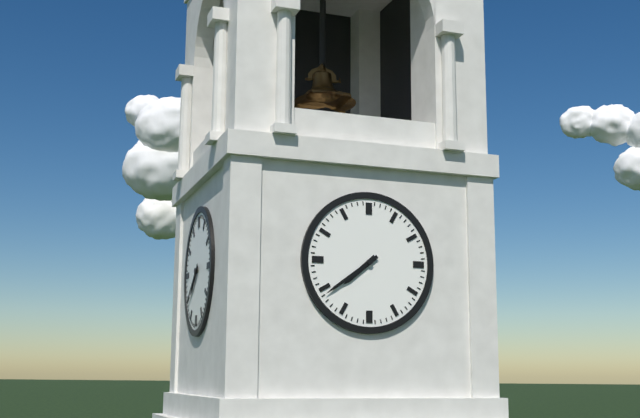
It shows 7.39
